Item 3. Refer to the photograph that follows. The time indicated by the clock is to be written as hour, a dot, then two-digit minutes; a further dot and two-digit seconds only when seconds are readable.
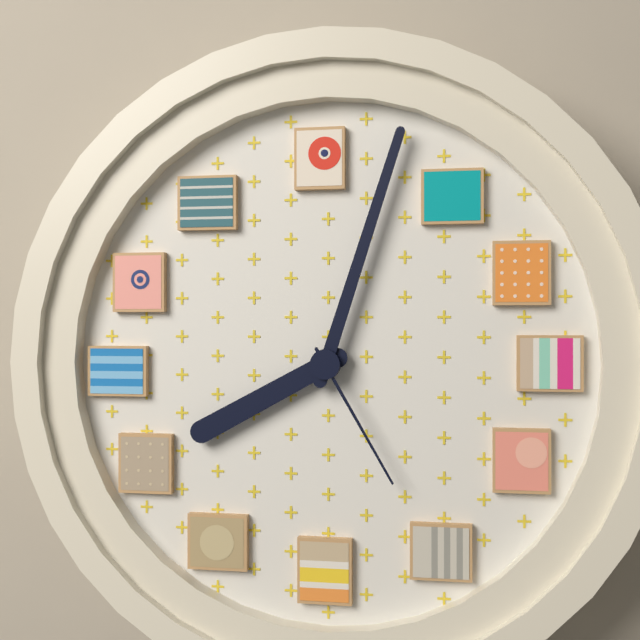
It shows 8.03.25
